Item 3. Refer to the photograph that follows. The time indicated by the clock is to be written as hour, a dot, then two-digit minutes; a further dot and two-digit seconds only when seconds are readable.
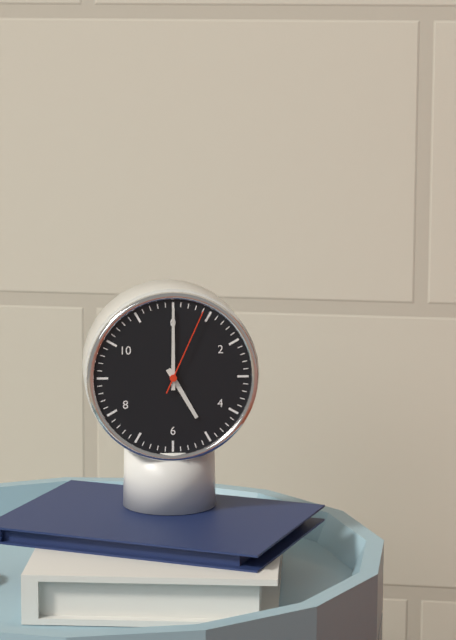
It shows 5.00.04
